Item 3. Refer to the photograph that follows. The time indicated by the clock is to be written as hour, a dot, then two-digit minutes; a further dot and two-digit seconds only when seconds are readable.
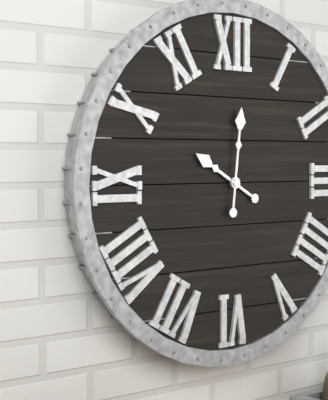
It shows 10.01
